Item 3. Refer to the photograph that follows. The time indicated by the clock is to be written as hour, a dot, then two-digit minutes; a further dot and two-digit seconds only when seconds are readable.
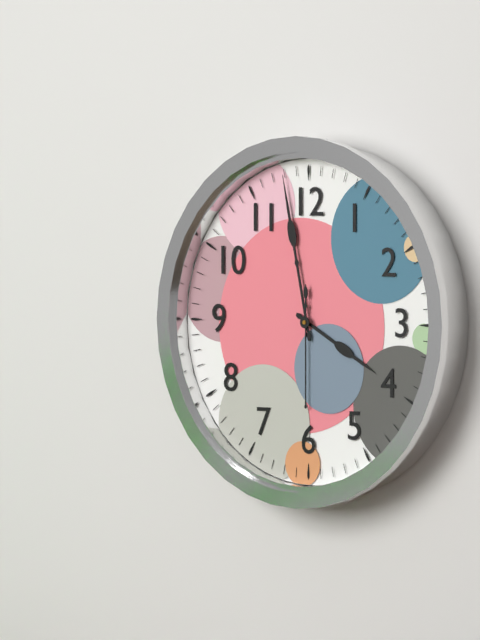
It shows 3.58.30
